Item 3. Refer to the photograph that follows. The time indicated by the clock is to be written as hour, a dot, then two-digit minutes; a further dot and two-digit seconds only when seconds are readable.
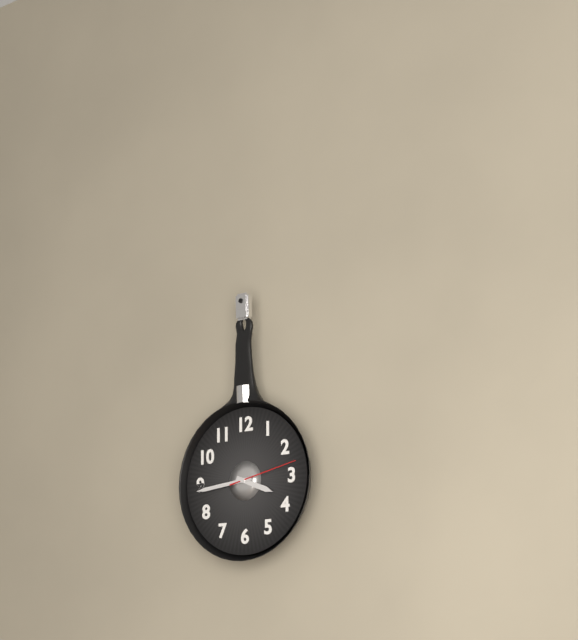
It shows 3.44.13
